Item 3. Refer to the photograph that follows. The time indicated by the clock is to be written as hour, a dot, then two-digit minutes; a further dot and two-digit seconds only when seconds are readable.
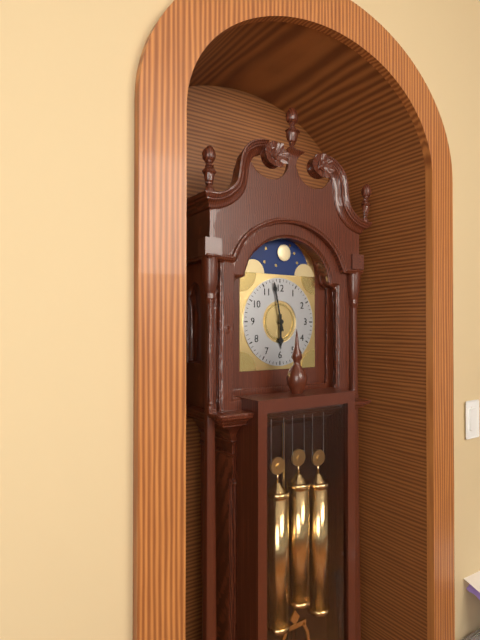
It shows 5.58
